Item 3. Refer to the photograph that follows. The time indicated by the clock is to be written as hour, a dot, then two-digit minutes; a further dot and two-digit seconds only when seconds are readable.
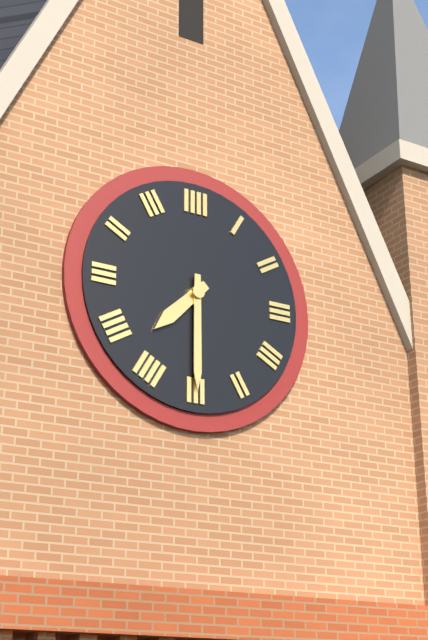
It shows 7.30
